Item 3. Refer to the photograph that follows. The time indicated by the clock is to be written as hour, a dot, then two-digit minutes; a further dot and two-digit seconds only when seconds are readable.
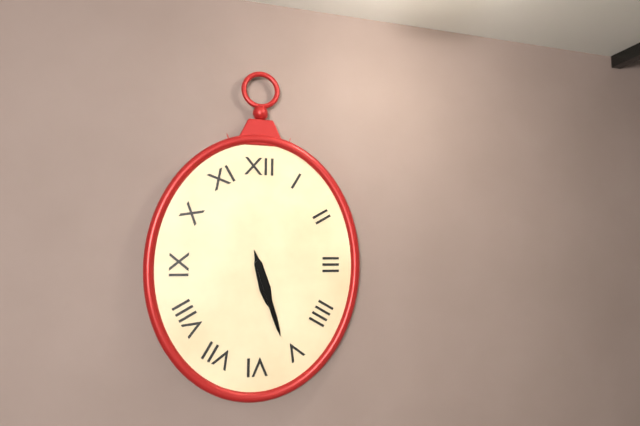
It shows 5.27
